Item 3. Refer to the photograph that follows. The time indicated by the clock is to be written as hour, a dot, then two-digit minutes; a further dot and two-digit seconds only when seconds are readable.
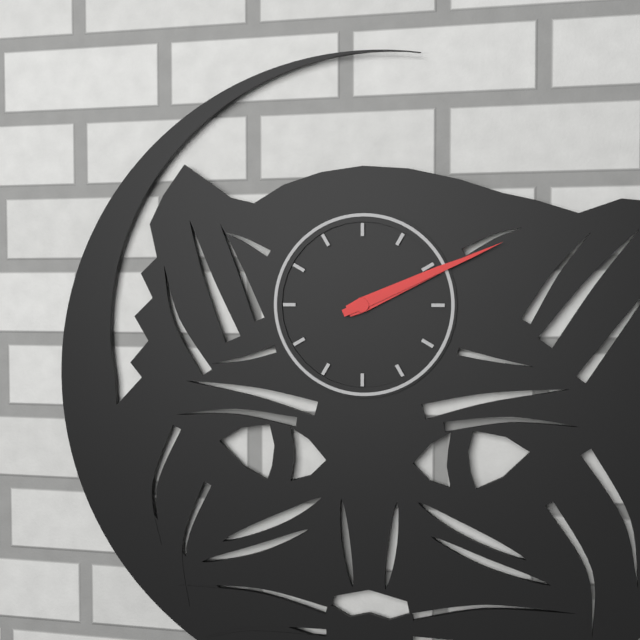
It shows 2.11
